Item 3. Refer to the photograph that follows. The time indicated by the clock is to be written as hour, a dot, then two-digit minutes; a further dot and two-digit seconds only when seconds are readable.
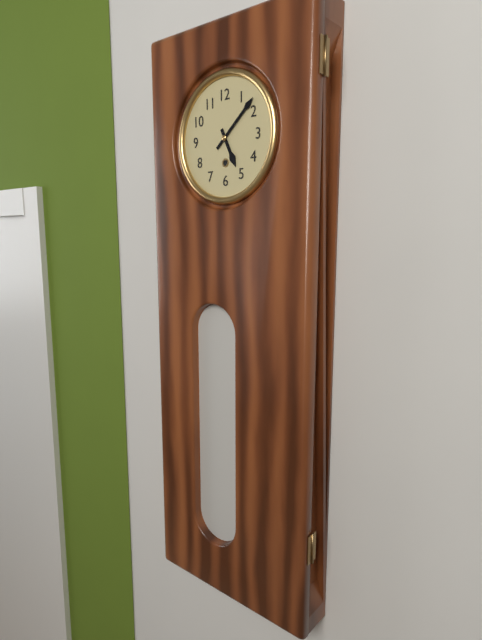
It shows 5.08
